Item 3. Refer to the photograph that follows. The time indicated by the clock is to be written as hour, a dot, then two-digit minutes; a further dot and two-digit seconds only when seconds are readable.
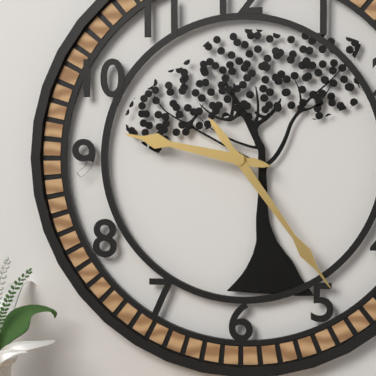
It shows 9.24
